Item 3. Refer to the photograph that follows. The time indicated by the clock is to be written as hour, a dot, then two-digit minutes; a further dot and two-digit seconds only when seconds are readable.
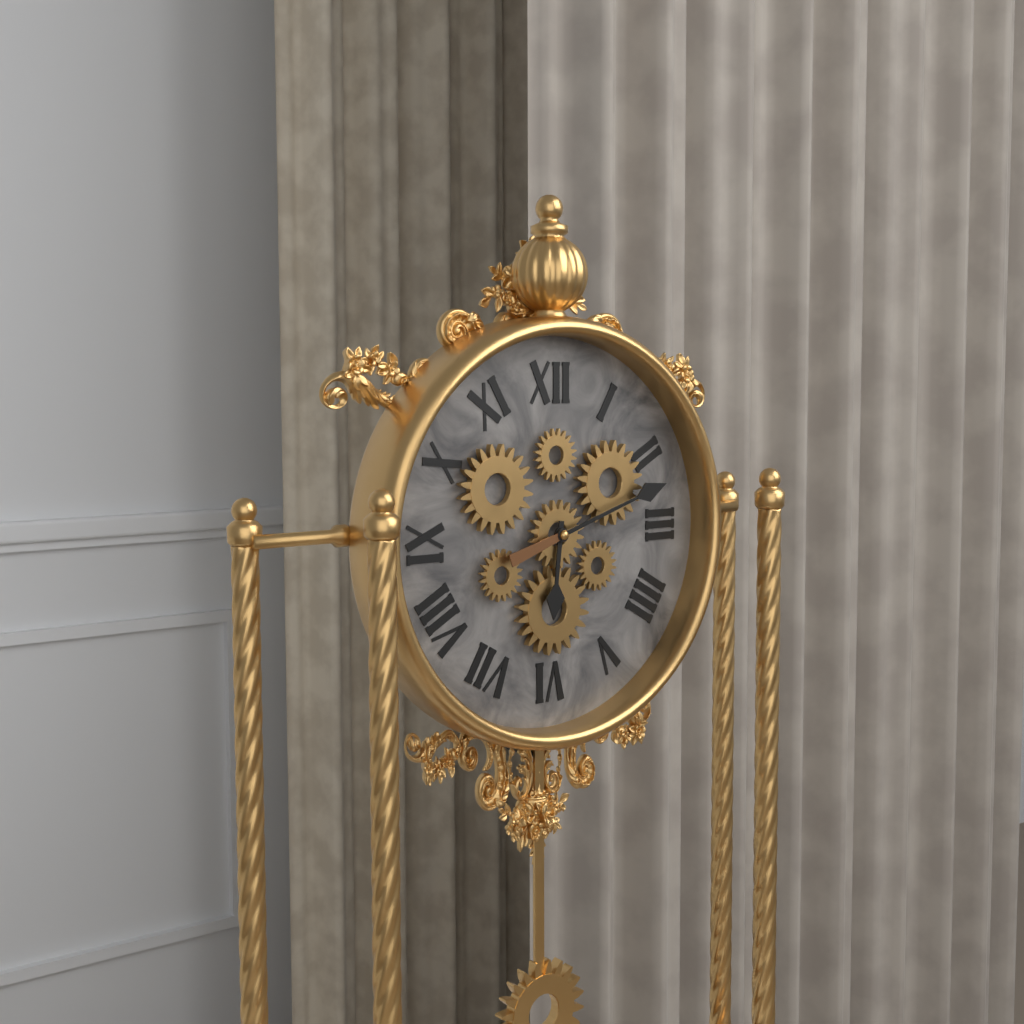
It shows 6.12
